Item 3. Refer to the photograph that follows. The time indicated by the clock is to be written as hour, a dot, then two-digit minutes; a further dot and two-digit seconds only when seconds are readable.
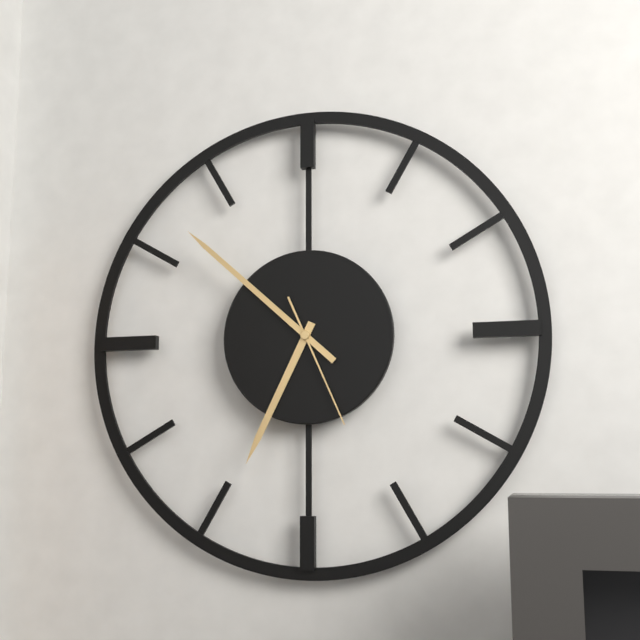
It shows 6.52.26
